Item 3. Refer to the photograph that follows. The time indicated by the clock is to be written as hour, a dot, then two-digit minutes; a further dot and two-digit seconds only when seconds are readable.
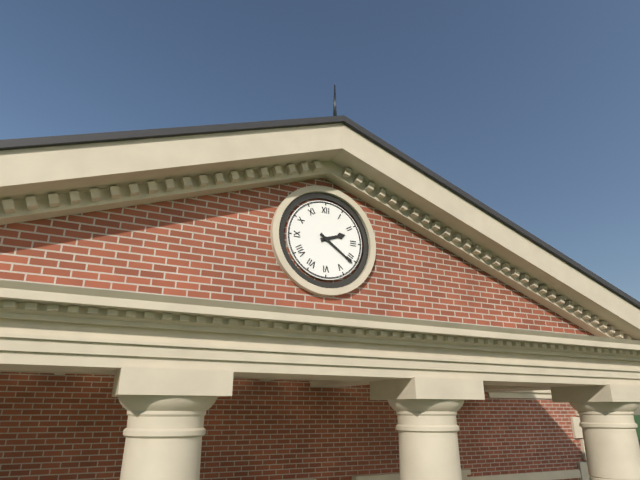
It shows 2.21
